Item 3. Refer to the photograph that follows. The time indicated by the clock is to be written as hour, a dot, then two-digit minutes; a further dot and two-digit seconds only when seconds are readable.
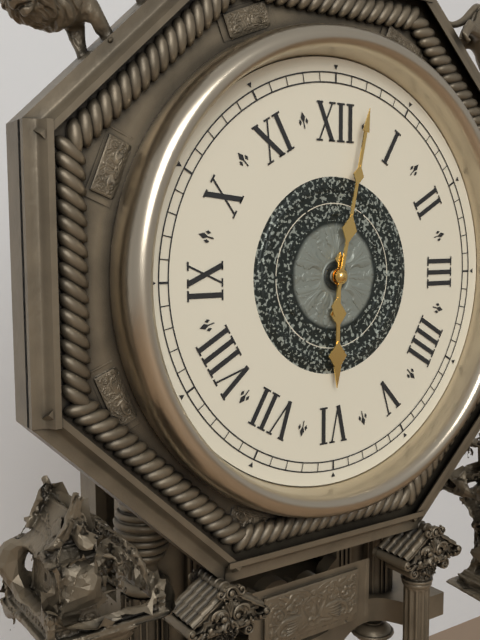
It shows 6.02
